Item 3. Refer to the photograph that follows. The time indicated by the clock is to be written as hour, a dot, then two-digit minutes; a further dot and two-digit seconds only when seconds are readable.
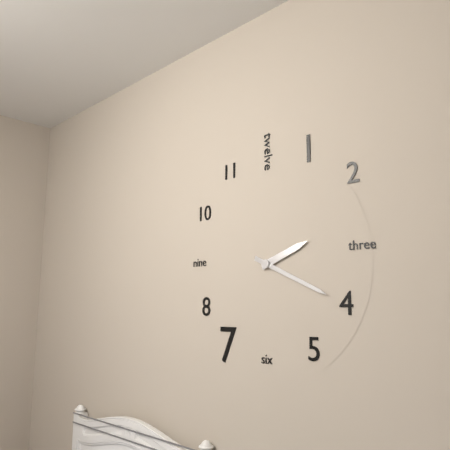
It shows 2.19
